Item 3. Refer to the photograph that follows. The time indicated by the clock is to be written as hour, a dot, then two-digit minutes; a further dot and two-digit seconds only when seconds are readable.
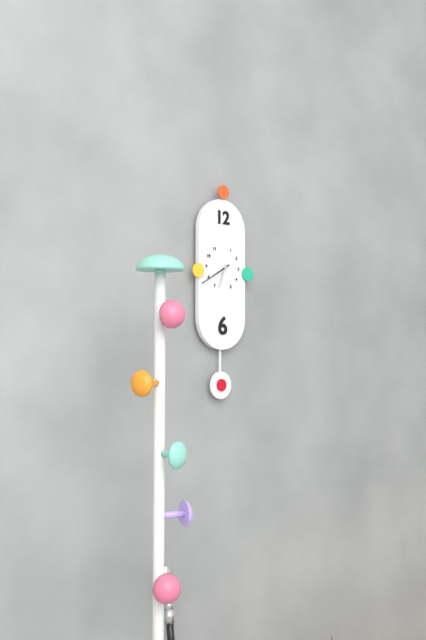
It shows 6.40
